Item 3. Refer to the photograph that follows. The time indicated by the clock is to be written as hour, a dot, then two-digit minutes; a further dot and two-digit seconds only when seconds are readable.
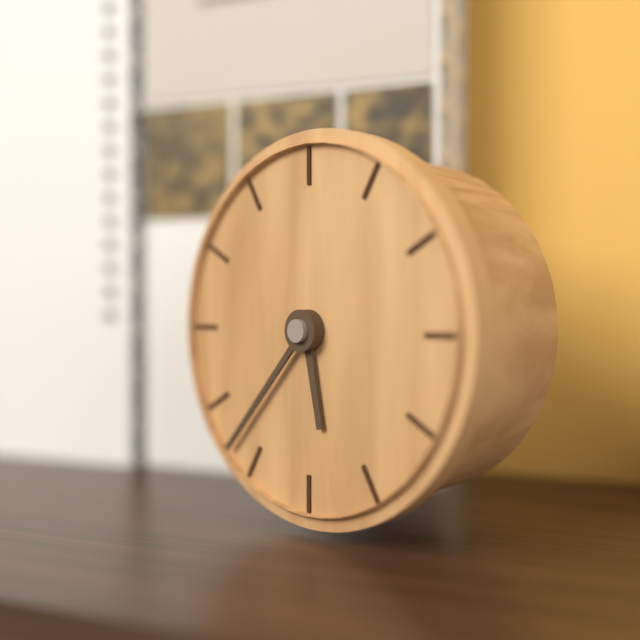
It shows 5.37
